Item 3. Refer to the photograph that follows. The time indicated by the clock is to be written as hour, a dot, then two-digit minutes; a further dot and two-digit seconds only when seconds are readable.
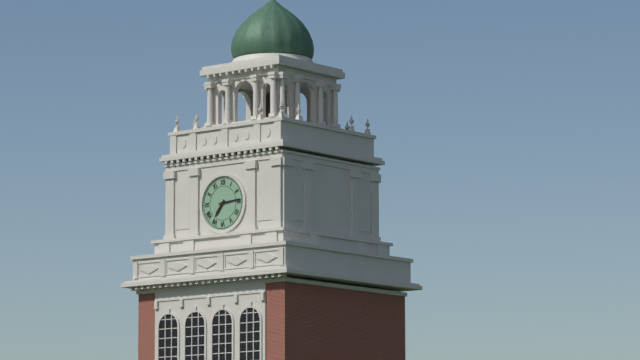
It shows 7.14
